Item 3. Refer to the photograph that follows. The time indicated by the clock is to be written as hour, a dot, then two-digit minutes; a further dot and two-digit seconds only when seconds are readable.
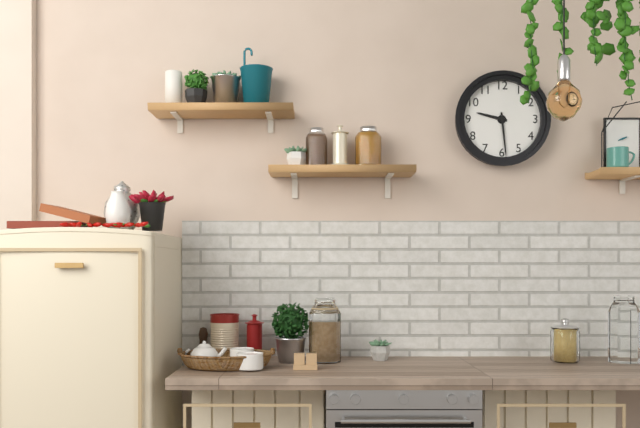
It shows 9.29
